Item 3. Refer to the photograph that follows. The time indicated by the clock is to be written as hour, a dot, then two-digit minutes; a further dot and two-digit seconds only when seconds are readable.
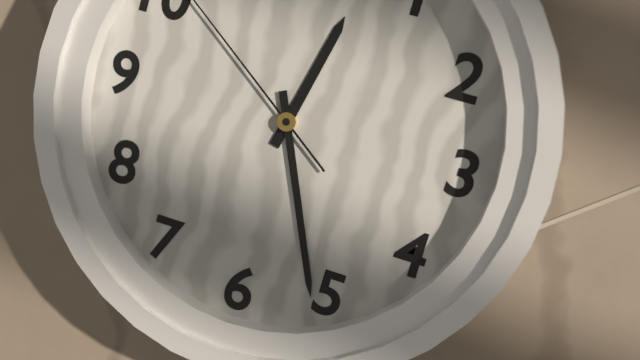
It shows 12.26
